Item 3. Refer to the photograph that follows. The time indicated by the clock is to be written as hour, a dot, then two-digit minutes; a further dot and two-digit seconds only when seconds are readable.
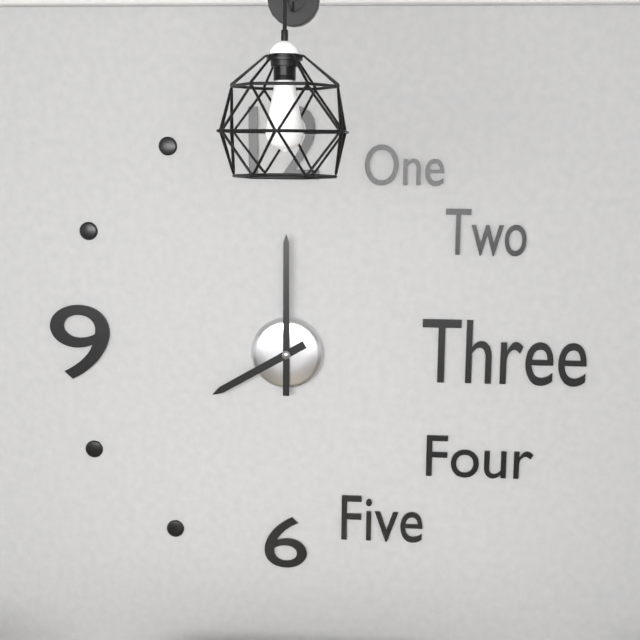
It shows 8.00
